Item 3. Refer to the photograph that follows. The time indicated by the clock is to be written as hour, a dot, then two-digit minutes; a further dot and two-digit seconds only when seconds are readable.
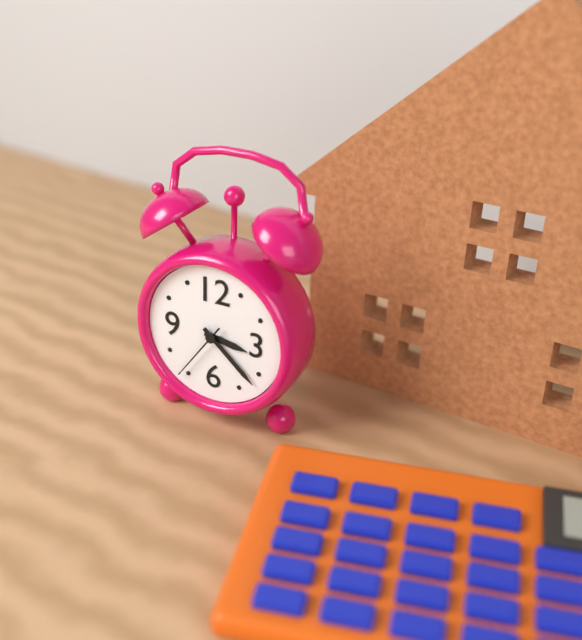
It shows 3.22.36
